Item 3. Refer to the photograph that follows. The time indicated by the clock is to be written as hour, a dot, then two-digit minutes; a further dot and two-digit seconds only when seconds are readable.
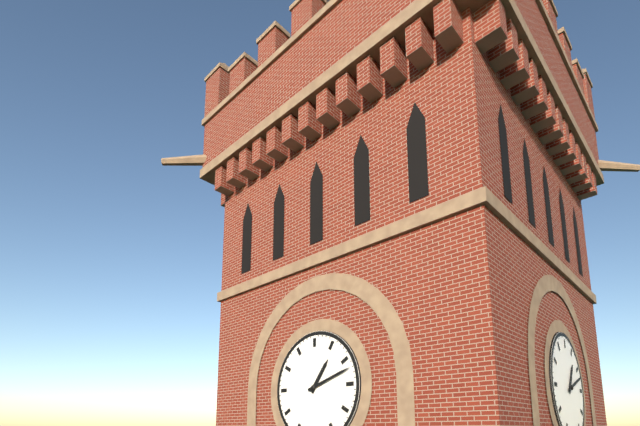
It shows 1.12
